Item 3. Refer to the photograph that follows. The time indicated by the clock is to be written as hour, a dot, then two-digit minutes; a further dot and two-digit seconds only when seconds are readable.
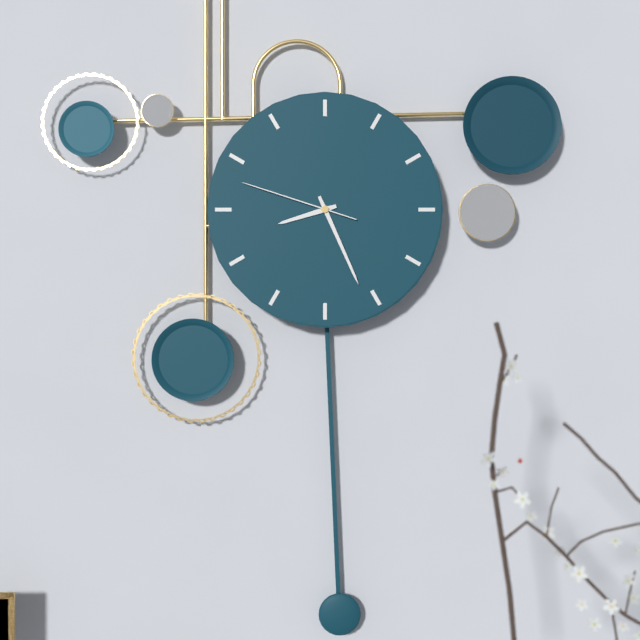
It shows 8.26.48
